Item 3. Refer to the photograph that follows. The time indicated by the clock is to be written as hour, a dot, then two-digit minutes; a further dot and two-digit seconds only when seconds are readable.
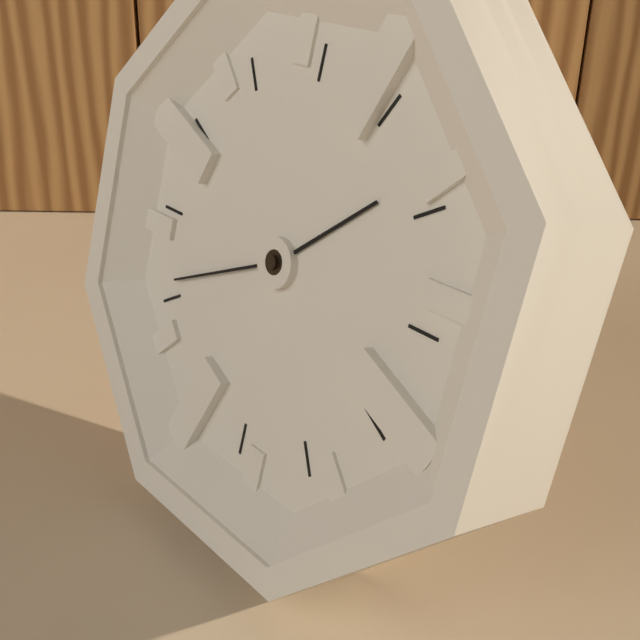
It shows 1.41
